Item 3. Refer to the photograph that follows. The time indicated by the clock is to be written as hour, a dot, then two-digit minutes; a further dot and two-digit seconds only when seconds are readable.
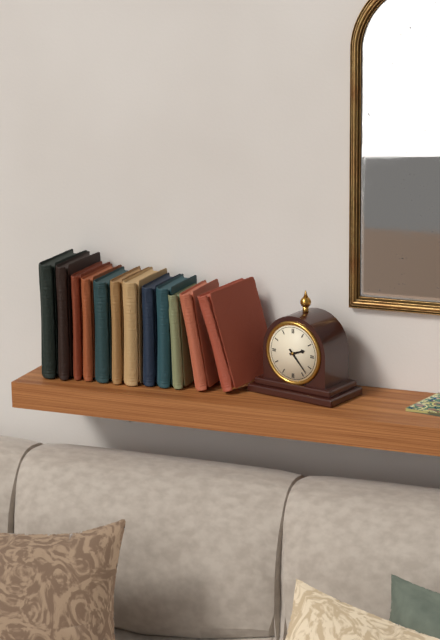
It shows 2.23
